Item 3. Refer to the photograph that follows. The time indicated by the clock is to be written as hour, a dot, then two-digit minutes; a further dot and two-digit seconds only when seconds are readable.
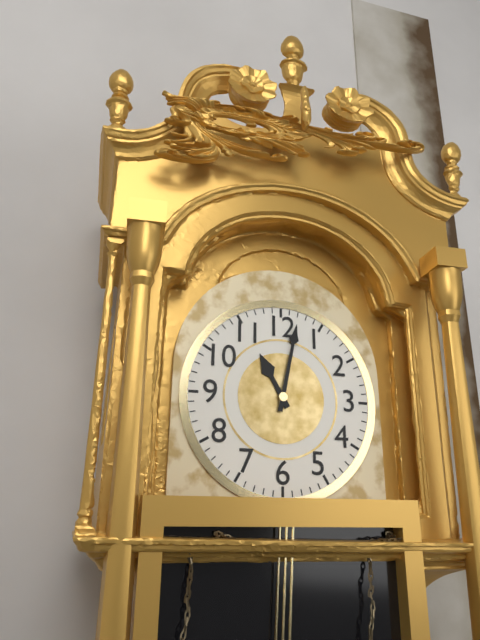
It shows 11.02
